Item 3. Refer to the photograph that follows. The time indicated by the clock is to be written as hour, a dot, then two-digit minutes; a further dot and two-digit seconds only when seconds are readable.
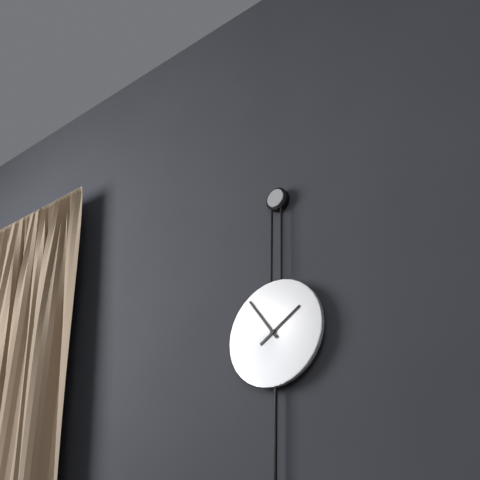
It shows 1.54
